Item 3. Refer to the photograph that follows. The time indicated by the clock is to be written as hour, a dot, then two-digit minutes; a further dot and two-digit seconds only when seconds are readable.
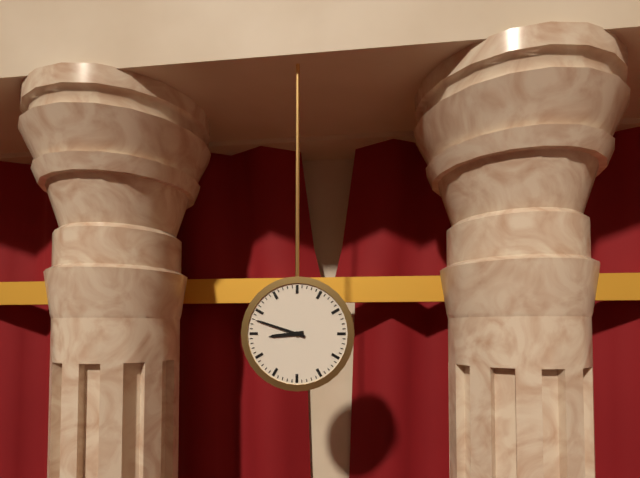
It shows 8.48
